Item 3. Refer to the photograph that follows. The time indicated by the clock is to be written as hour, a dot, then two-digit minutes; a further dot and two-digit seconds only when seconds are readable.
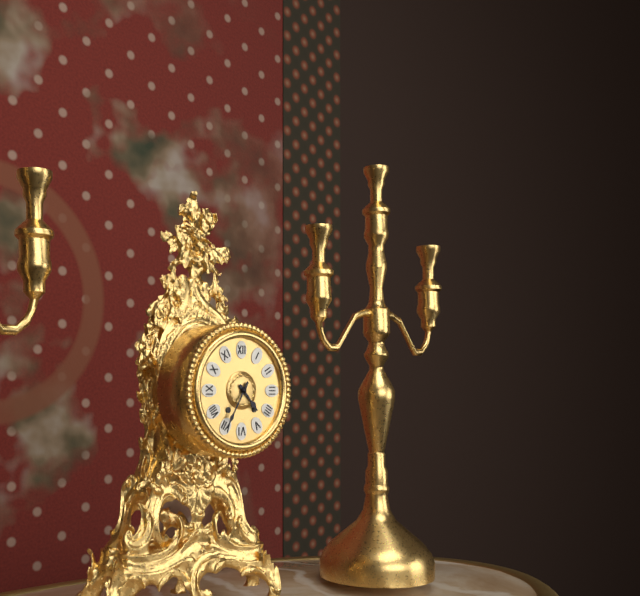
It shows 4.35
